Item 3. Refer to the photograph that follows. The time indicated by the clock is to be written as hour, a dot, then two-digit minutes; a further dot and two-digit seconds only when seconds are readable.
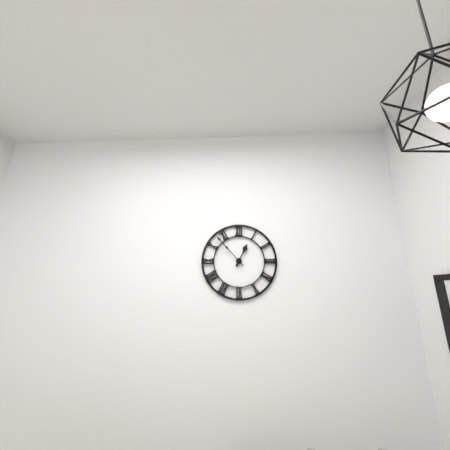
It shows 12.53
